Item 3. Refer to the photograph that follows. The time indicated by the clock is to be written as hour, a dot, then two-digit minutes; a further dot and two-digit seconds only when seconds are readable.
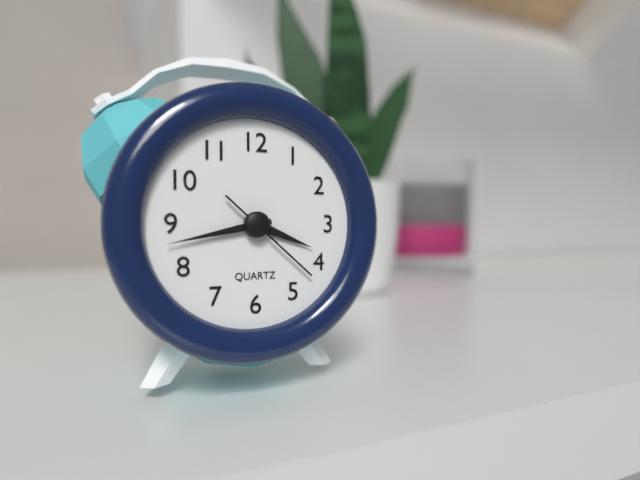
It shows 3.43.22
